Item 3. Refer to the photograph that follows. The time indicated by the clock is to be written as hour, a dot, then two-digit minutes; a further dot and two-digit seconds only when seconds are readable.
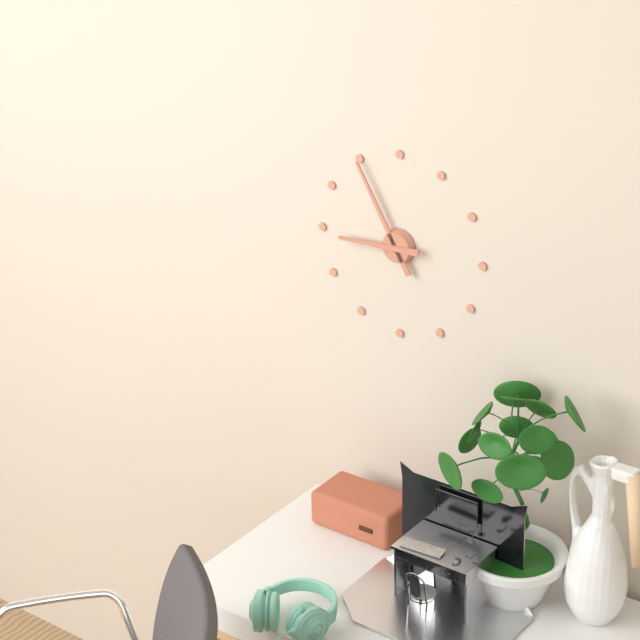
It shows 8.55
